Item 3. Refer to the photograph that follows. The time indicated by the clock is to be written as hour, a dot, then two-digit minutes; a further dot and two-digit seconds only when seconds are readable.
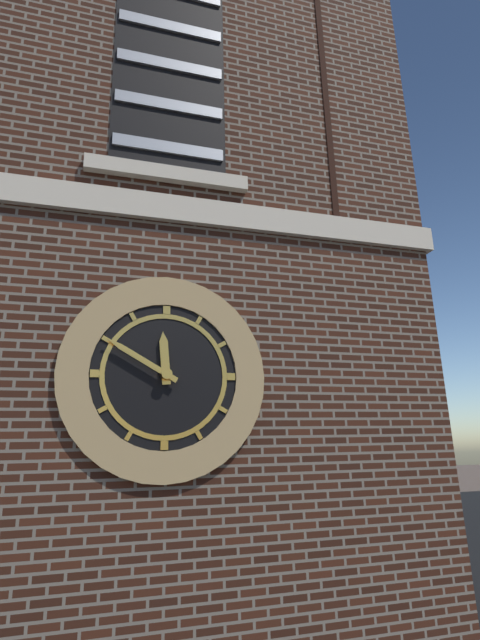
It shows 11.50
